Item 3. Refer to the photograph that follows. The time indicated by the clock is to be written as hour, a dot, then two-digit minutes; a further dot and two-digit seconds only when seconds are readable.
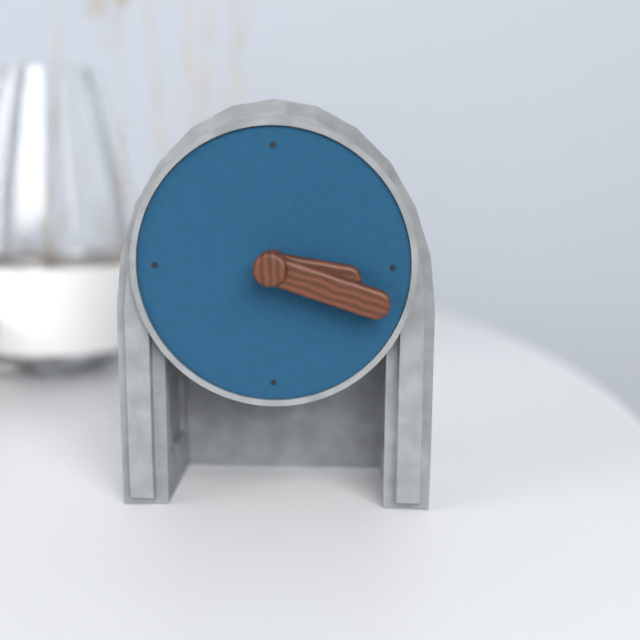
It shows 3.18
